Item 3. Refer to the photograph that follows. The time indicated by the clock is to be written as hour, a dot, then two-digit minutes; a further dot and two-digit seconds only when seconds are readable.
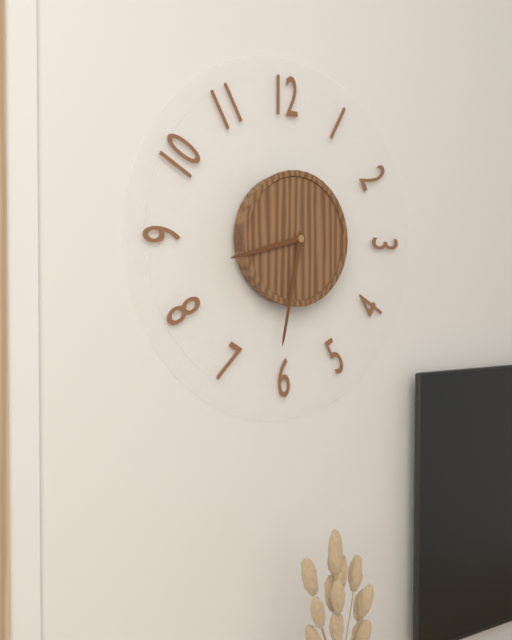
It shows 8.32
